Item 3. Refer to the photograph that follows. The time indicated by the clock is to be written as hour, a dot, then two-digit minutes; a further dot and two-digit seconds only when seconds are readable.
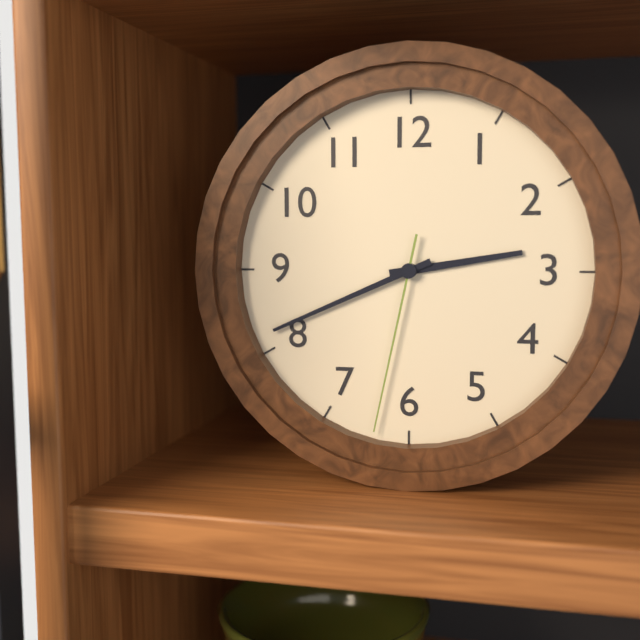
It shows 2.41.32
